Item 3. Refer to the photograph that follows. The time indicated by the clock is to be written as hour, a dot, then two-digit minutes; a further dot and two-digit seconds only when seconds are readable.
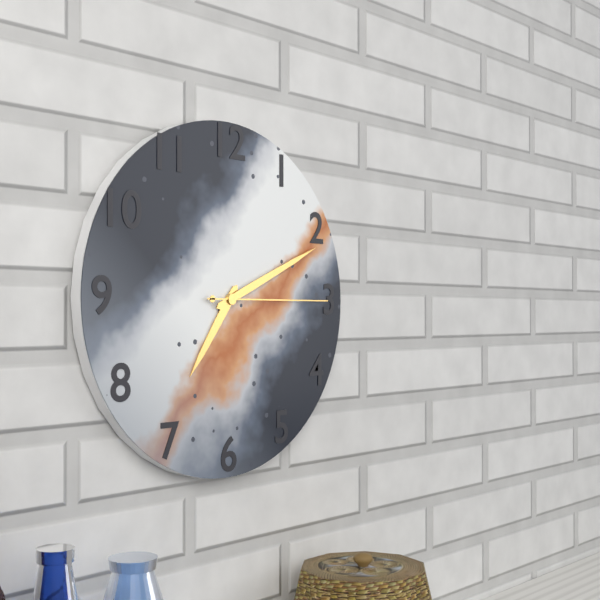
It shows 7.11.15
